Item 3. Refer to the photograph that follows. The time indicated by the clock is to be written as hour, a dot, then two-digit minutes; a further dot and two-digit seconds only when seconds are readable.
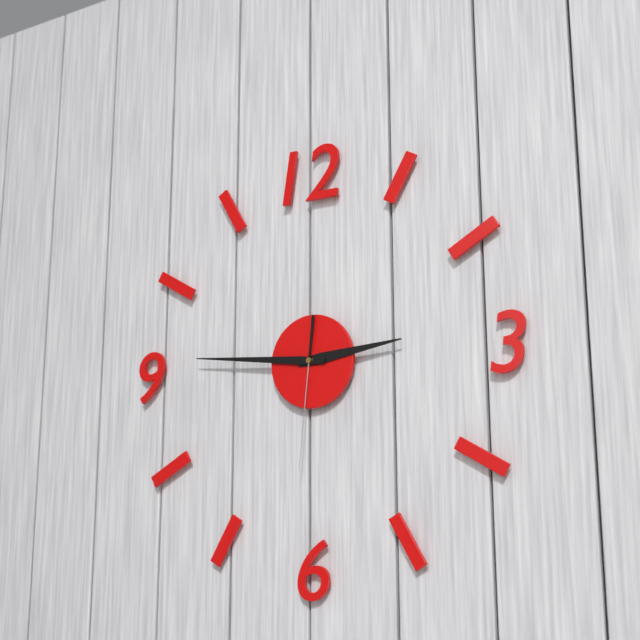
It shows 2.46.31
